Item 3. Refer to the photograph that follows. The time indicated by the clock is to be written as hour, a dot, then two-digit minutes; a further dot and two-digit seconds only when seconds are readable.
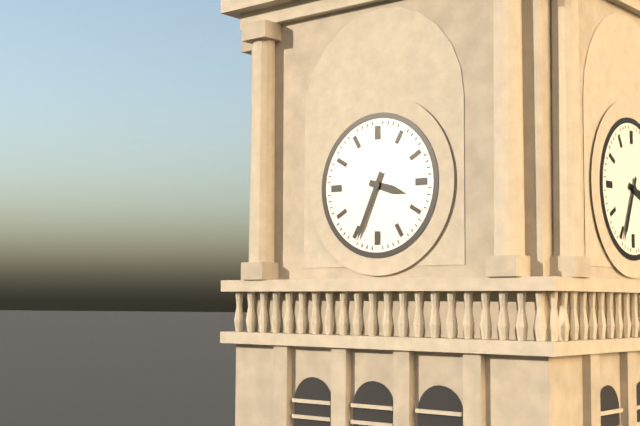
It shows 3.34
